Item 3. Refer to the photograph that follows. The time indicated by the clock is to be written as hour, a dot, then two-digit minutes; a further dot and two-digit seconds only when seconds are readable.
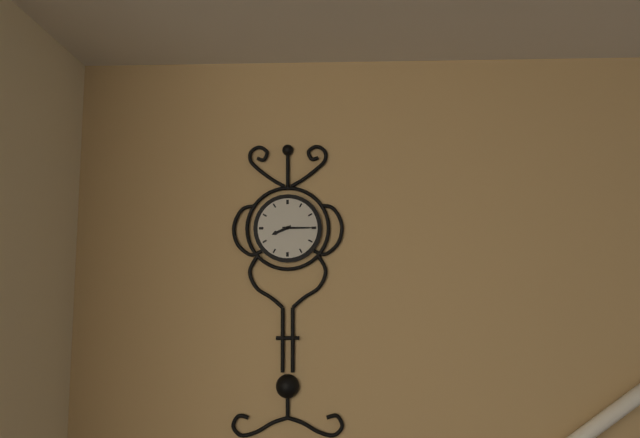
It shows 8.15
